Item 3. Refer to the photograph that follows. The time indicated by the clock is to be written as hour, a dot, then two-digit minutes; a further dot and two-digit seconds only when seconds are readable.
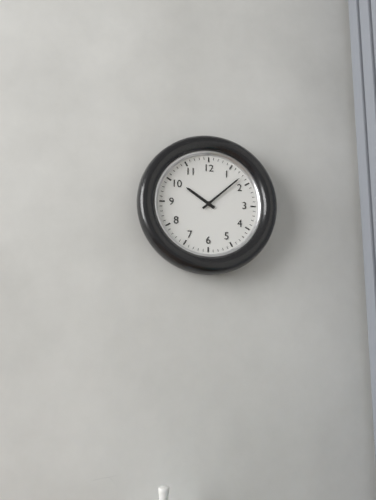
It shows 10.08
